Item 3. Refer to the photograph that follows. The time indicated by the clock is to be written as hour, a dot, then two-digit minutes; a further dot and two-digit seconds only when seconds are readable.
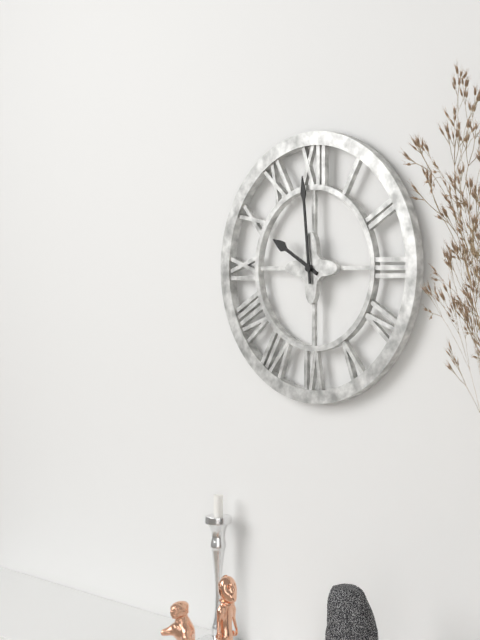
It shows 9.59
